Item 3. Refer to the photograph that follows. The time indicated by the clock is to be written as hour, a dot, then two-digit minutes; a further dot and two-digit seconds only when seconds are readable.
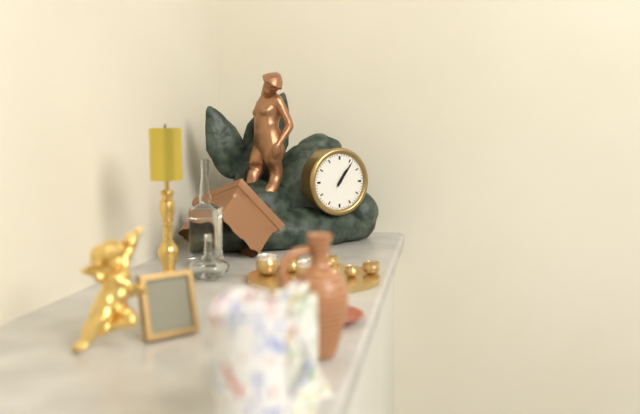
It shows 1.06
